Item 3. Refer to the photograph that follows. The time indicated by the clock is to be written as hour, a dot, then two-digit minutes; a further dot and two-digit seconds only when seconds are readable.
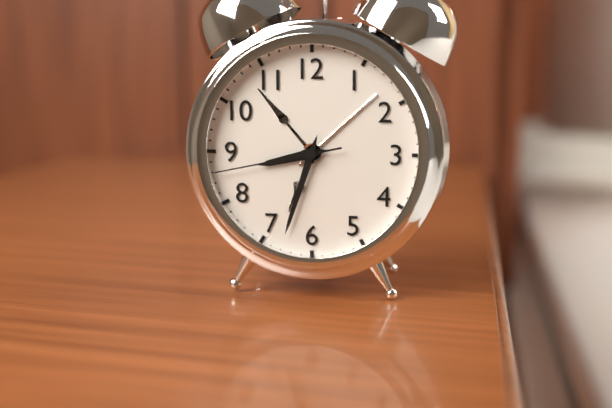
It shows 8.33.43
